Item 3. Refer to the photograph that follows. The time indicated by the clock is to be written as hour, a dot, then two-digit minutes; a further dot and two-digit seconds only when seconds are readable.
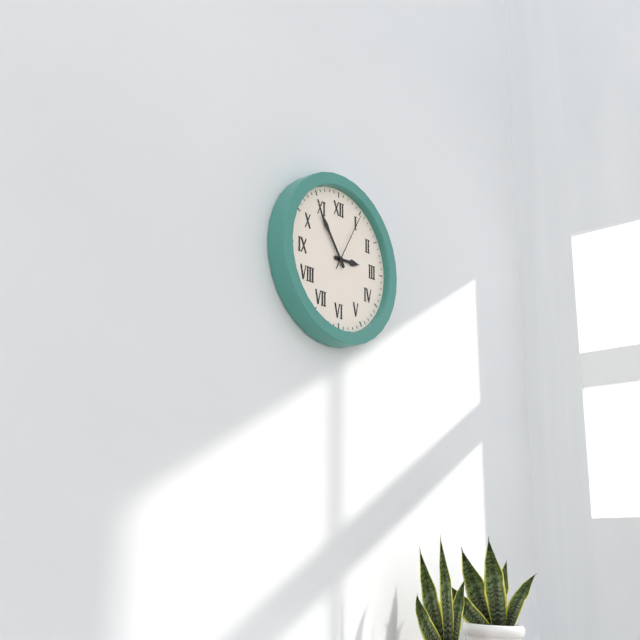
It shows 2.54.05
